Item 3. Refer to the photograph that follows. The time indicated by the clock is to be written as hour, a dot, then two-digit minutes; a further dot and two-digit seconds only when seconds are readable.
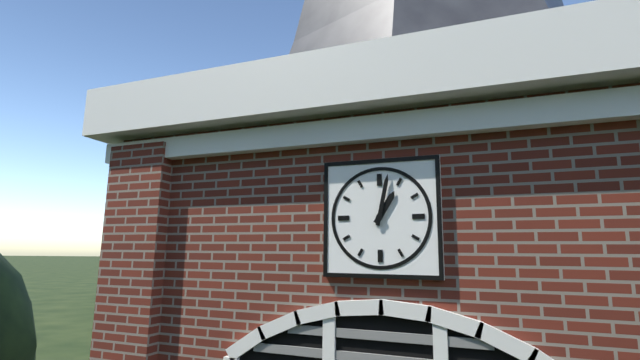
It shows 1.02
